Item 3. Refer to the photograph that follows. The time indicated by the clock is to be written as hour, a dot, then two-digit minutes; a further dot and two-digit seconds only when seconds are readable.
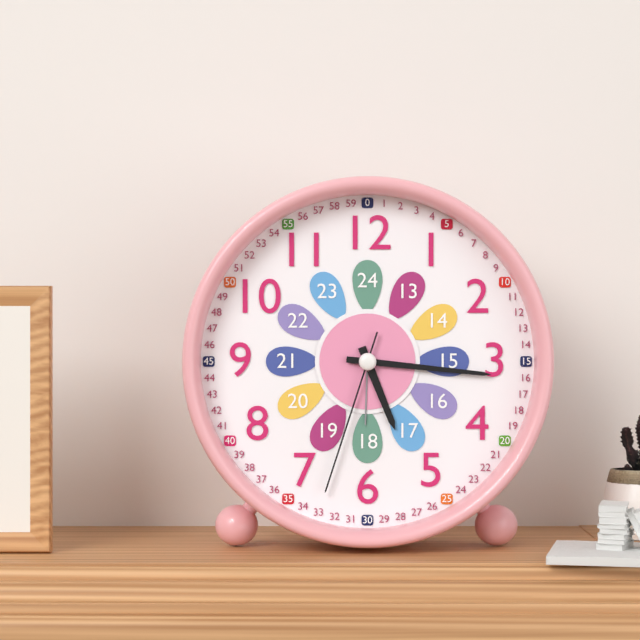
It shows 5.16.33
